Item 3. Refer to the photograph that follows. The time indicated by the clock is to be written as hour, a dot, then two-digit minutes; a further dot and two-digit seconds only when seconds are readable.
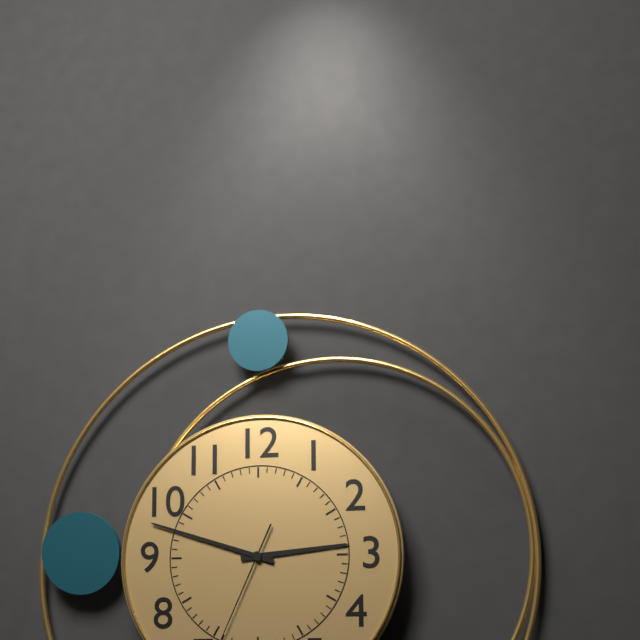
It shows 2.48
